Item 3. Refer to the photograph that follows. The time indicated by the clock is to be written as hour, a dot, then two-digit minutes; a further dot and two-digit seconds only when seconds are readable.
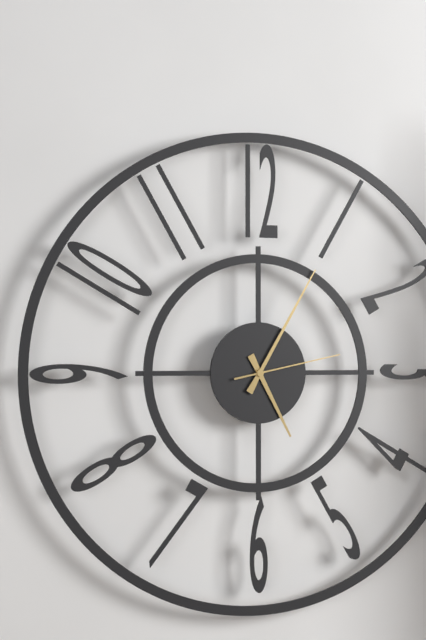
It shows 5.05.13
